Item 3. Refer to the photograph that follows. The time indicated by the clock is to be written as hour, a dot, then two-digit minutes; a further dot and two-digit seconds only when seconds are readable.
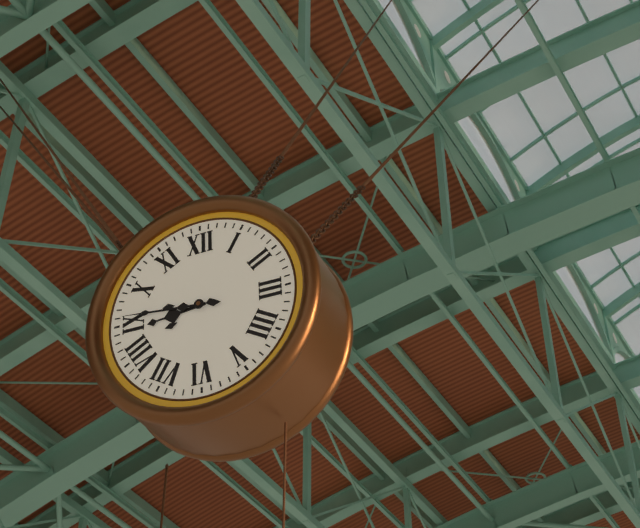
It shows 8.46
